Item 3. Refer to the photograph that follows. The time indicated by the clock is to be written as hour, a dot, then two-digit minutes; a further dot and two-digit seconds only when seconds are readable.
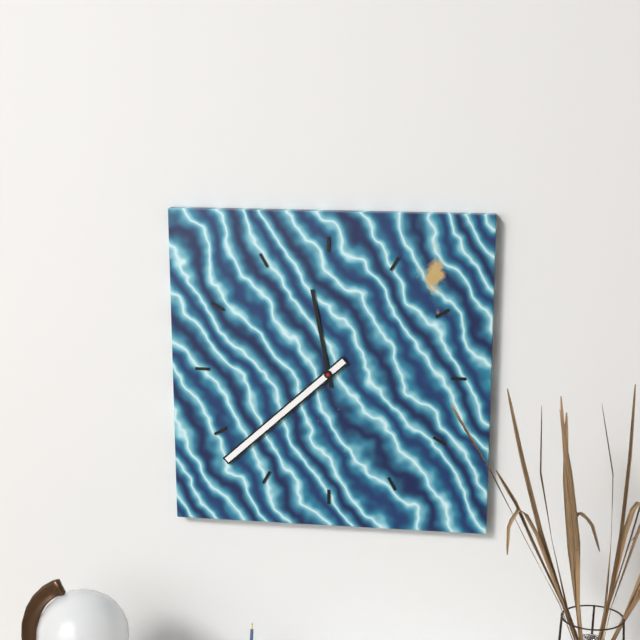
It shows 11.38
